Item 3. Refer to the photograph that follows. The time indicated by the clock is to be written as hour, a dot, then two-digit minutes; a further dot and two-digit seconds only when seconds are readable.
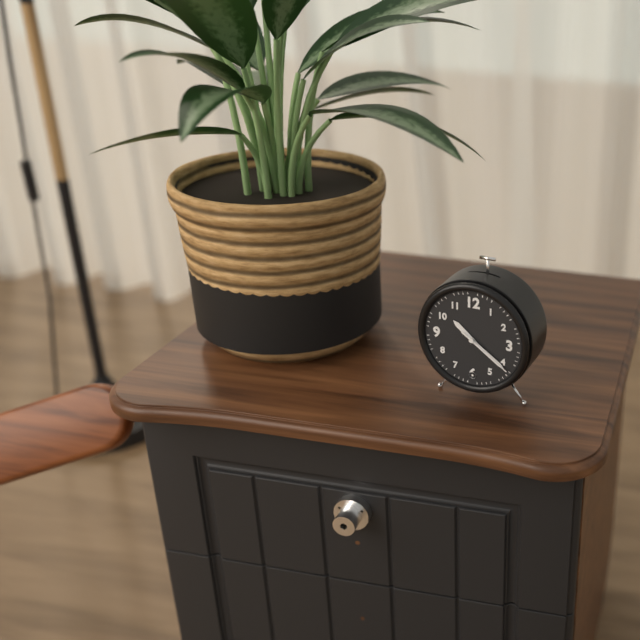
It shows 10.21.21
